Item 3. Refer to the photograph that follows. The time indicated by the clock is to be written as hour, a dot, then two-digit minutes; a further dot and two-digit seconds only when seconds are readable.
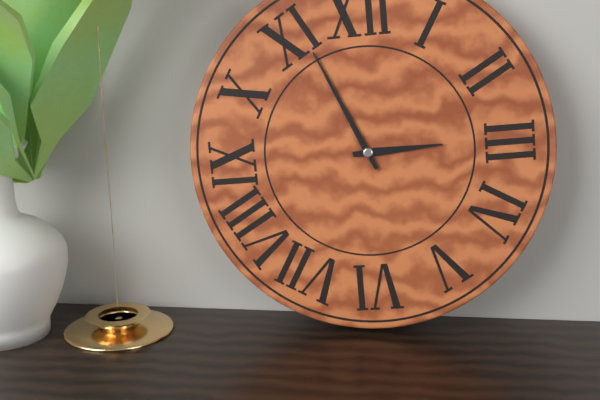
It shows 2.56
